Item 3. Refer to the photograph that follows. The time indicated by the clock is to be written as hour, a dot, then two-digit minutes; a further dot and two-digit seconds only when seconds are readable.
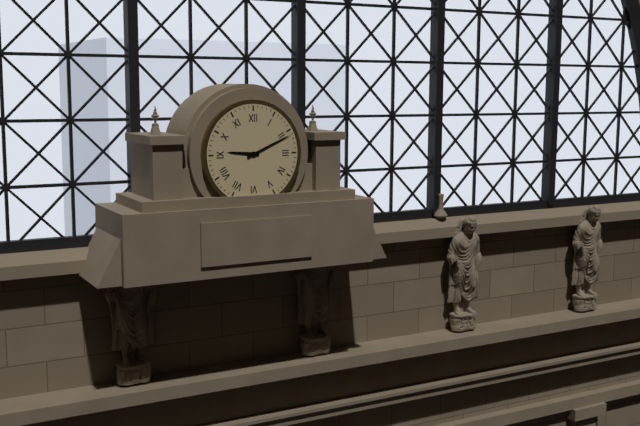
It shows 9.11
